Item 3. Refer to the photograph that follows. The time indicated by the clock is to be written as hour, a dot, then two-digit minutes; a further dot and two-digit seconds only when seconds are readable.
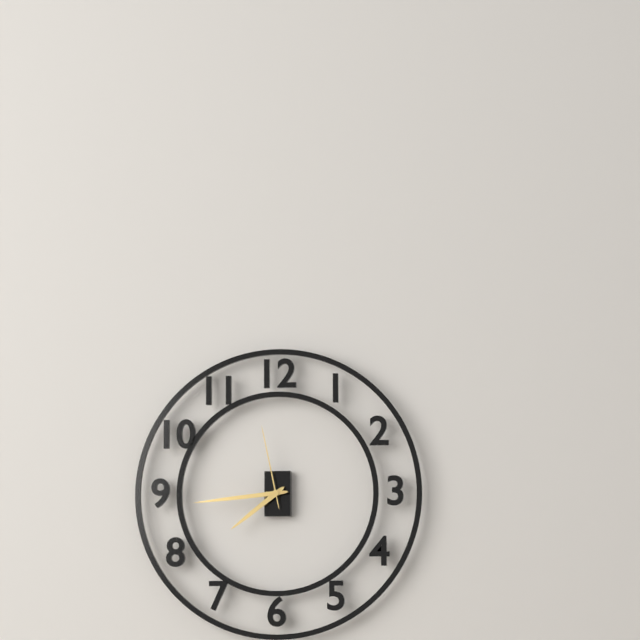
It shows 7.44.58
